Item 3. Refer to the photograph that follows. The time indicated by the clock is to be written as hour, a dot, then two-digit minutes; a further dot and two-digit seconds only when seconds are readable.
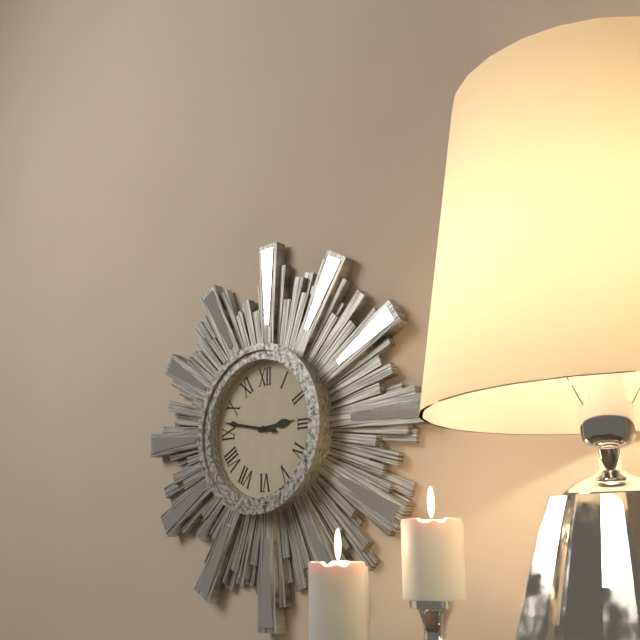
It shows 2.47
